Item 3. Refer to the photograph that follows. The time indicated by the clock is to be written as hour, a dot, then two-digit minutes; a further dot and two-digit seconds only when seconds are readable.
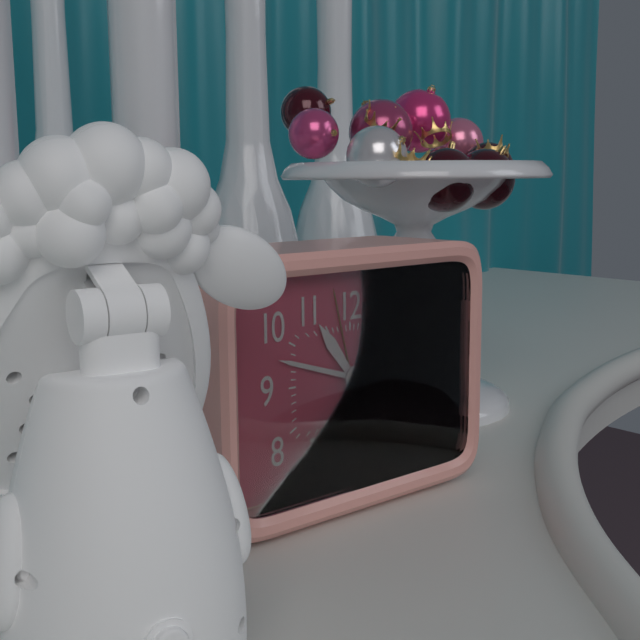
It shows 10.48
